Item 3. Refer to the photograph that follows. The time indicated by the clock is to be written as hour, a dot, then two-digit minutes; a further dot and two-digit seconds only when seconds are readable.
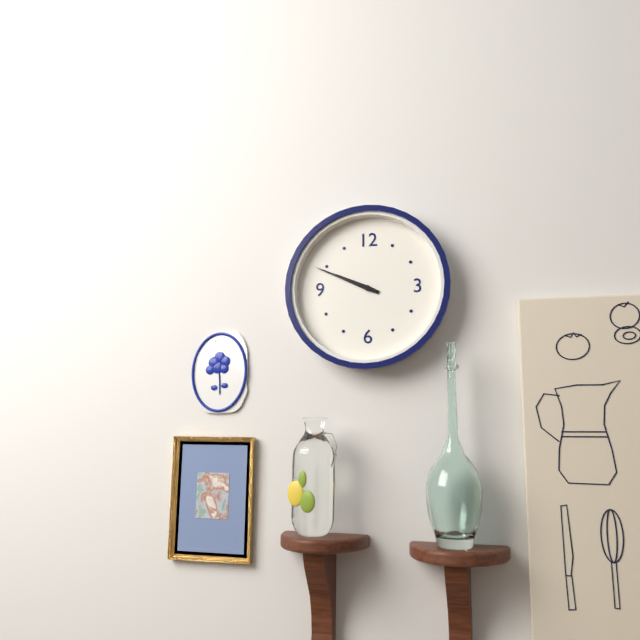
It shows 9.49
